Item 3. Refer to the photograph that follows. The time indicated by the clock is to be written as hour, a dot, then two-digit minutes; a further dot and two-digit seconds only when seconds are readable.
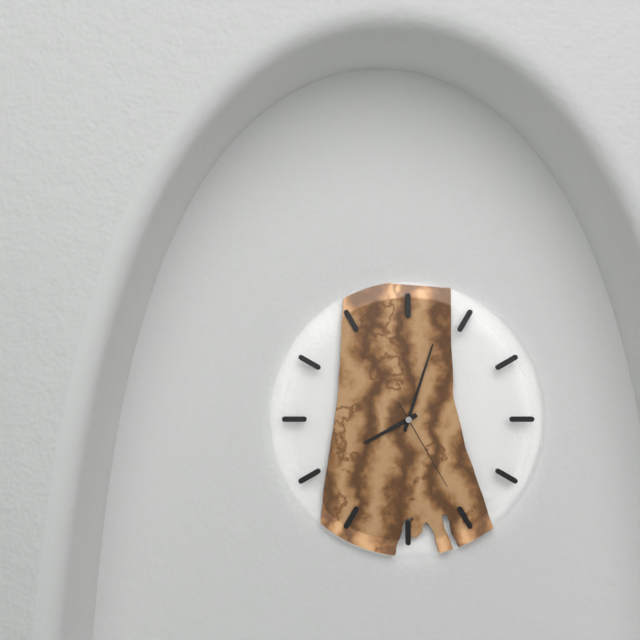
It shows 8.03.25
